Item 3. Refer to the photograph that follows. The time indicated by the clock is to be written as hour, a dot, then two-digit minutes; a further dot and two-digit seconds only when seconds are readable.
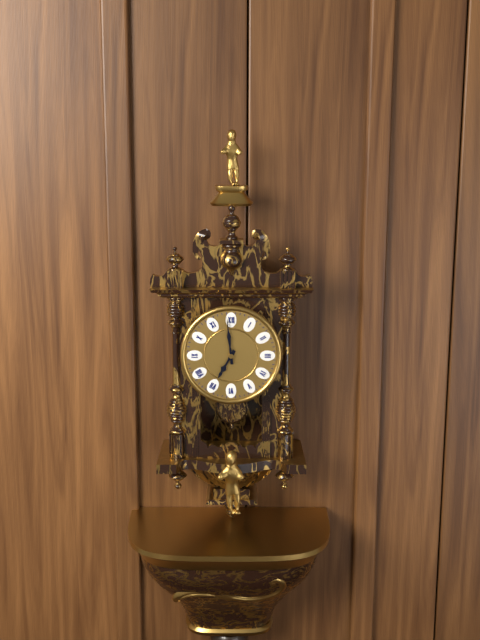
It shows 6.59
